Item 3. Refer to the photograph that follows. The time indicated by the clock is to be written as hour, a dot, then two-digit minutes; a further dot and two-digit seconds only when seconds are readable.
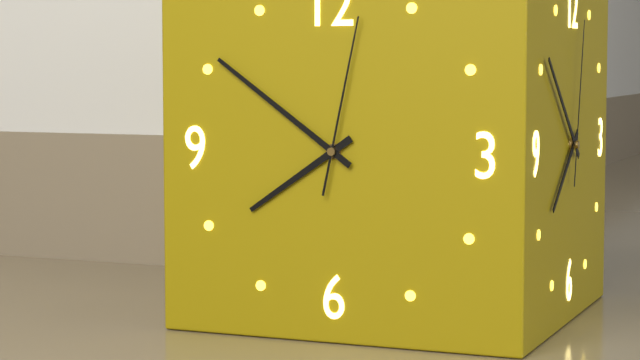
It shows 7.51.02
